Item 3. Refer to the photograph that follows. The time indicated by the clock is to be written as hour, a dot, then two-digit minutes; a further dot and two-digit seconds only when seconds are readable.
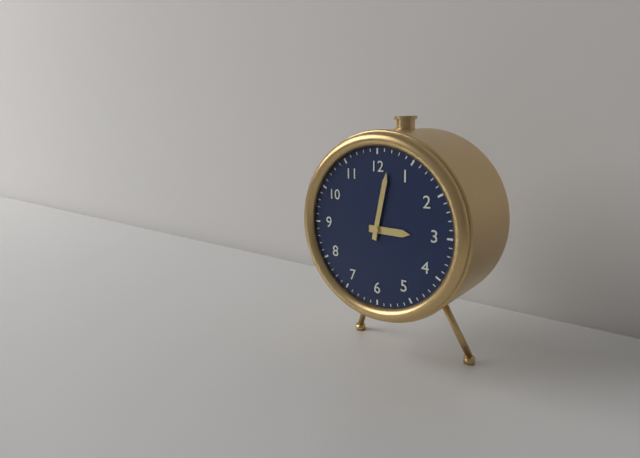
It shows 3.02
